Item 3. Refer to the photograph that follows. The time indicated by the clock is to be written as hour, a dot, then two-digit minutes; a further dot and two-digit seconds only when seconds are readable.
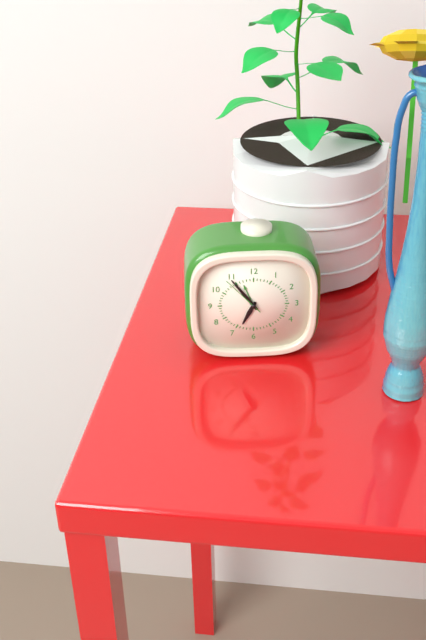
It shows 6.54
